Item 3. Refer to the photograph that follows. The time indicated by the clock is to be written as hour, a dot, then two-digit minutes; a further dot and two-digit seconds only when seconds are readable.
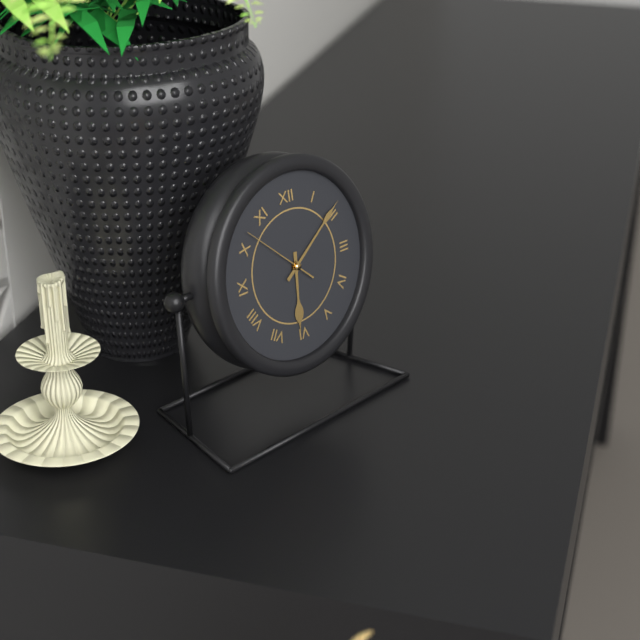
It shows 6.09.52
